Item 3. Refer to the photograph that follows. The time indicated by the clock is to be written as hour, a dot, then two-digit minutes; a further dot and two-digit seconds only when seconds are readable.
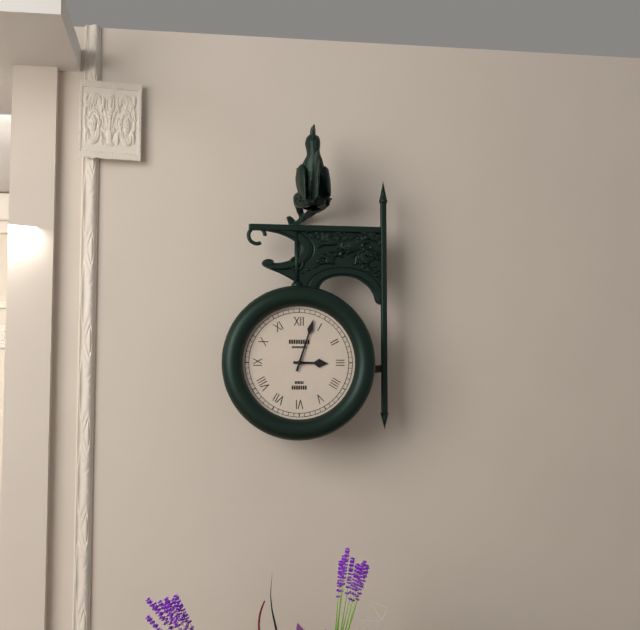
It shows 3.03
